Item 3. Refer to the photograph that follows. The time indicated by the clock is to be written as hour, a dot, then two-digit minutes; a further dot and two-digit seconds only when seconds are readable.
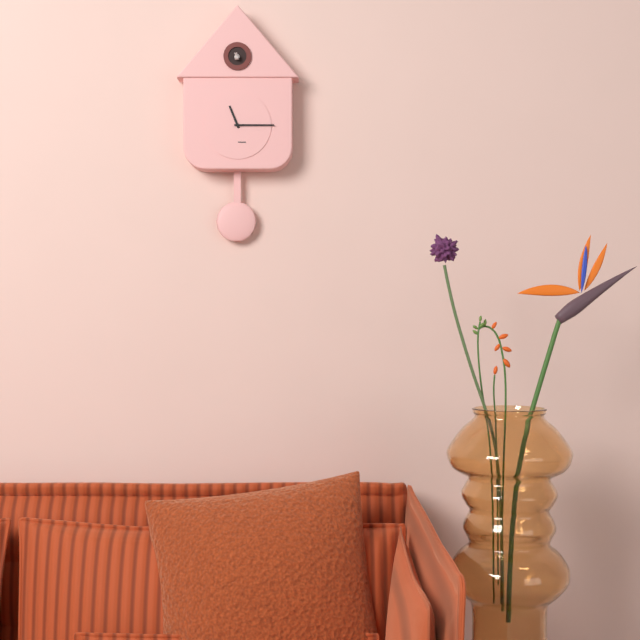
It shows 11.15
